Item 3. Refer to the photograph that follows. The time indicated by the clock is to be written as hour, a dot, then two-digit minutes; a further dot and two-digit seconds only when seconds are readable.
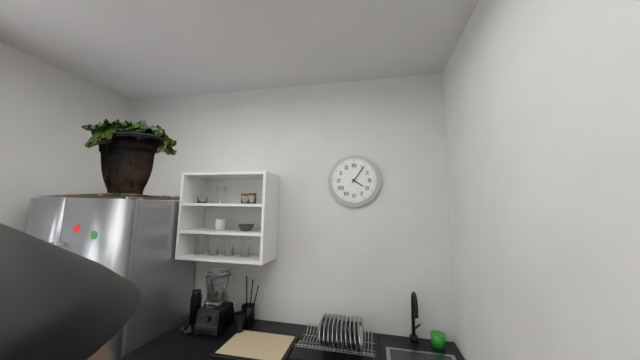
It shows 4.06
